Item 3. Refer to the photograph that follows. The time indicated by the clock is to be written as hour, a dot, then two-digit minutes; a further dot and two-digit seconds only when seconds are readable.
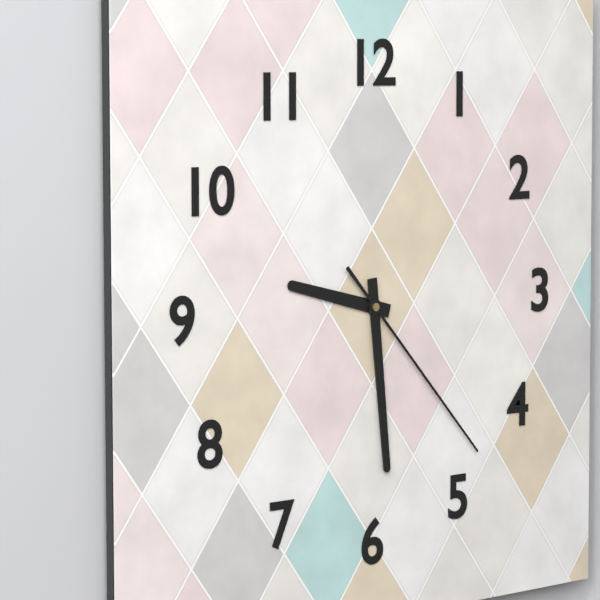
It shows 9.29.23
